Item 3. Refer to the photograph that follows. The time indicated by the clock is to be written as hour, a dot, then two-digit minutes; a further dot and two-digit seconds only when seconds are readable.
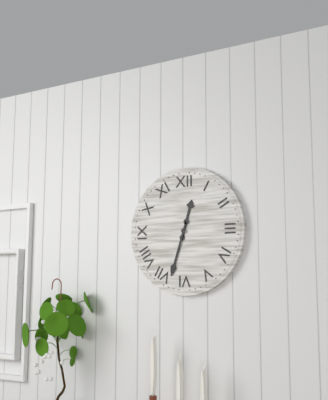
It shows 12.33
